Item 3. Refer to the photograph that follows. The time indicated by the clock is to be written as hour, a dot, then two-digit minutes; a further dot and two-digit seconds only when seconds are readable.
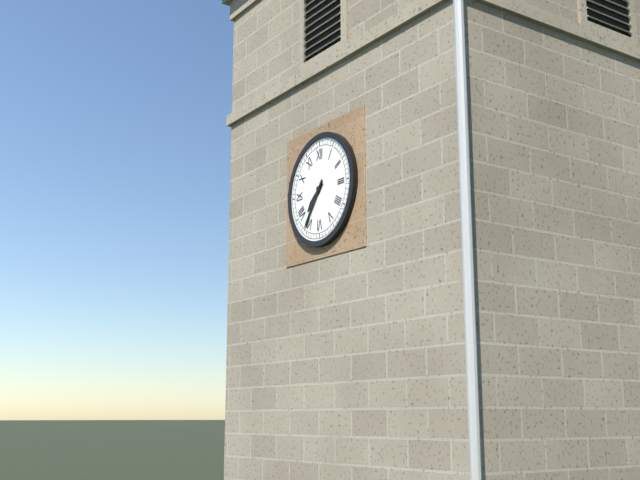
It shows 7.36
